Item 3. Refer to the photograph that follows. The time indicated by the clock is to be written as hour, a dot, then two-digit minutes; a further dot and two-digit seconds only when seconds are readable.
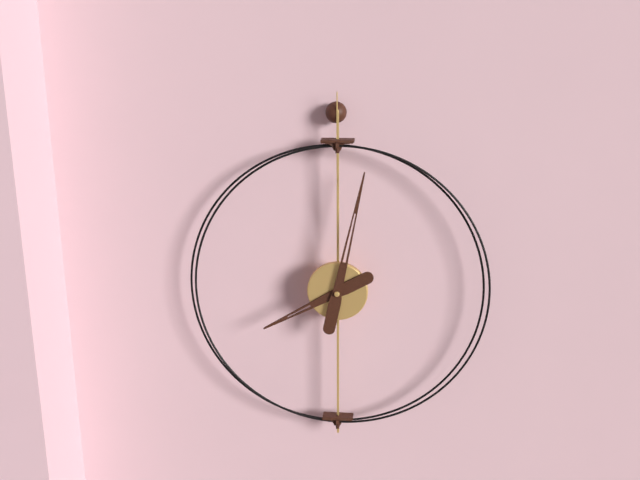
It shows 8.02
